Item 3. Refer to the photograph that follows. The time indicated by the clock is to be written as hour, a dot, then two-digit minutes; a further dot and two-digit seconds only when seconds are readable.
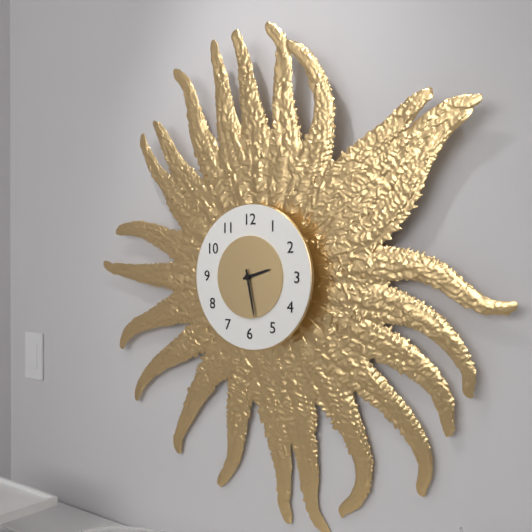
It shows 2.28
